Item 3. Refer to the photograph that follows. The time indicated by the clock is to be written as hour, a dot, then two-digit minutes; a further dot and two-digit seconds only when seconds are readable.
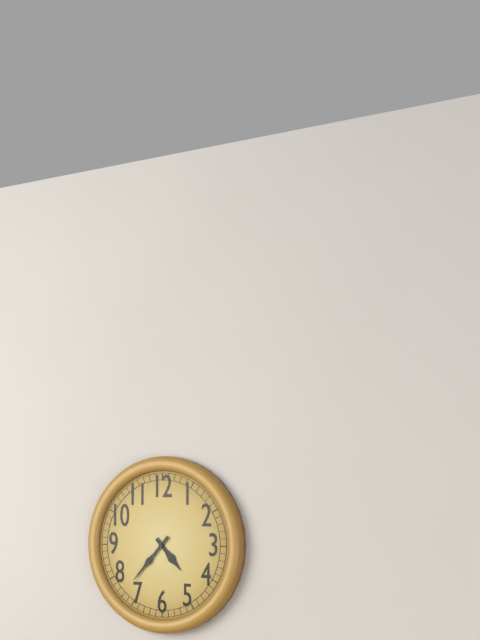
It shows 4.37
